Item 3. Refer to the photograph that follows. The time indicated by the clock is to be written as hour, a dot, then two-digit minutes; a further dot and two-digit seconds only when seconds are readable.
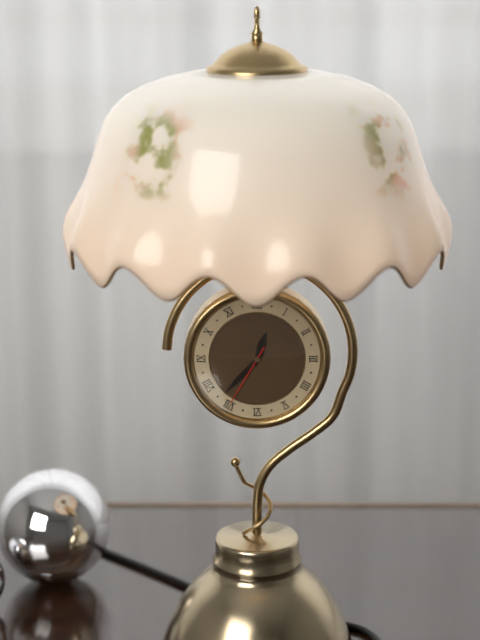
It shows 12.37.35
